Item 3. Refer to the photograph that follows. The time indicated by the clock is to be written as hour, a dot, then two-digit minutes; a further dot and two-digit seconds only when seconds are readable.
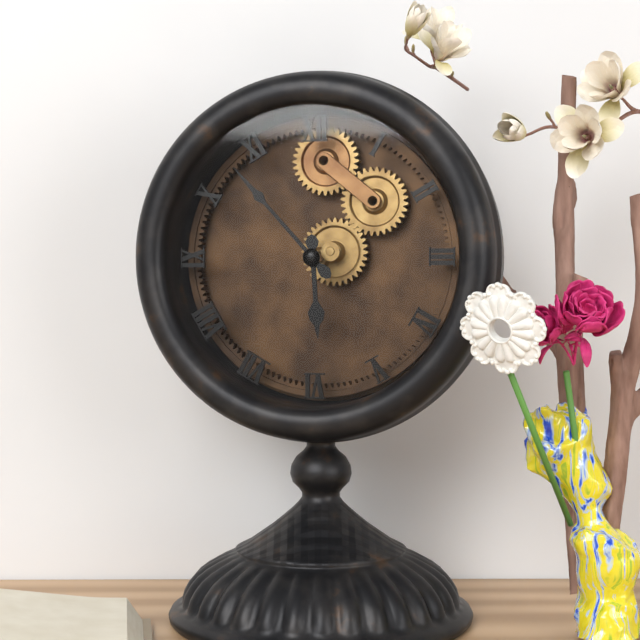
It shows 5.53
